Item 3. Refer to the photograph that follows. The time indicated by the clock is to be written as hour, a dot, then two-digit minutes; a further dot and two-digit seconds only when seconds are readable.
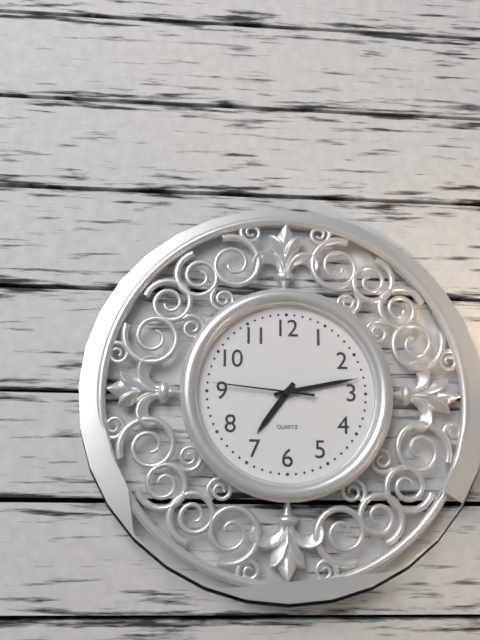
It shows 7.13.46
